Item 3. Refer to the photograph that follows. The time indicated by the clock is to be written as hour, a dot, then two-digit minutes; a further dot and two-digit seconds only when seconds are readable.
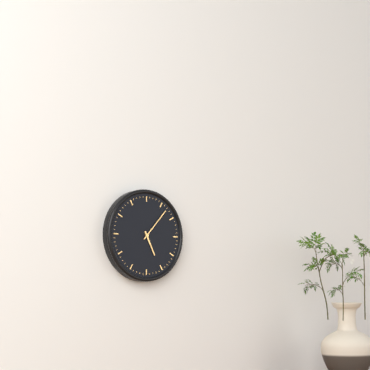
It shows 5.07
